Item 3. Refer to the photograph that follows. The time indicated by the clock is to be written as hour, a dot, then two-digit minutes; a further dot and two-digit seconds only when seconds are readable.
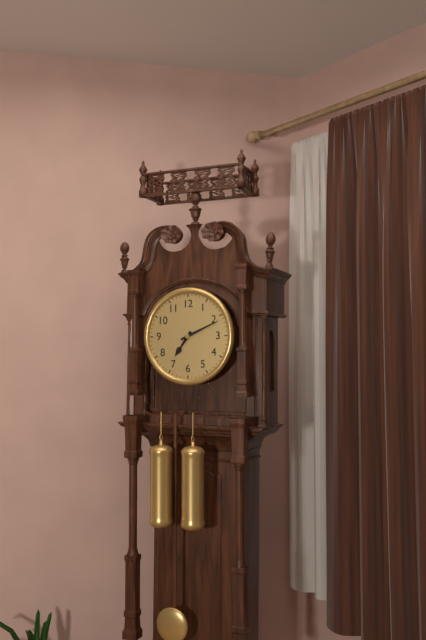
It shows 7.11
